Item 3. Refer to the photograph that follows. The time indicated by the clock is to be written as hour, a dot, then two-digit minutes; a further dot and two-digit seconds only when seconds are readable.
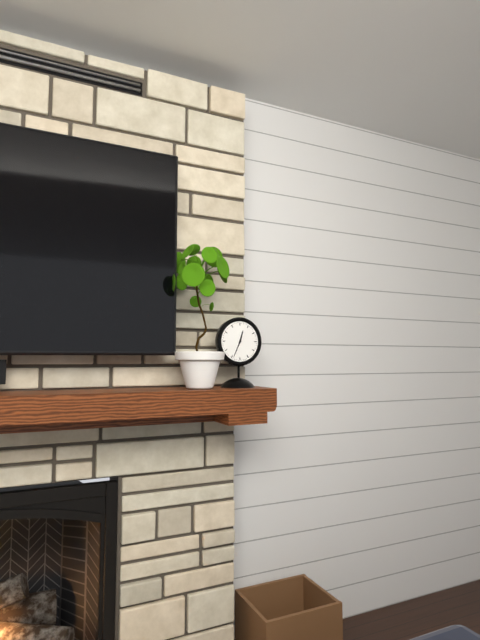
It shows 12.34
